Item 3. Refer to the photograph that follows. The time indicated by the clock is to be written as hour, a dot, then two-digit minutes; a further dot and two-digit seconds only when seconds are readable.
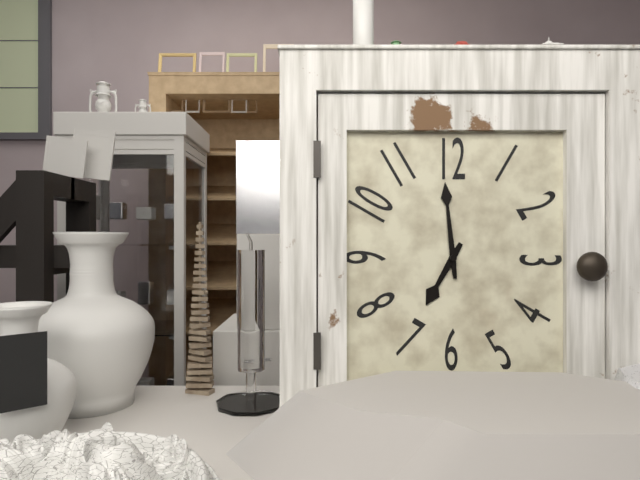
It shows 6.59
